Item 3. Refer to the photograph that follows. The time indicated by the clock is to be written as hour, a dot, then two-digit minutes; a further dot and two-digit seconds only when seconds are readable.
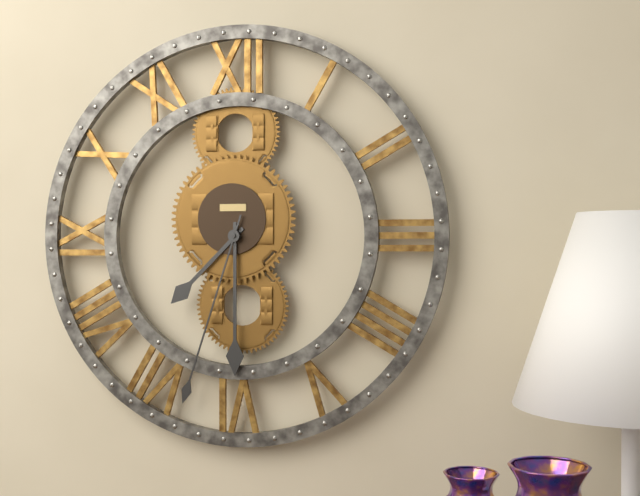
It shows 7.30.33
